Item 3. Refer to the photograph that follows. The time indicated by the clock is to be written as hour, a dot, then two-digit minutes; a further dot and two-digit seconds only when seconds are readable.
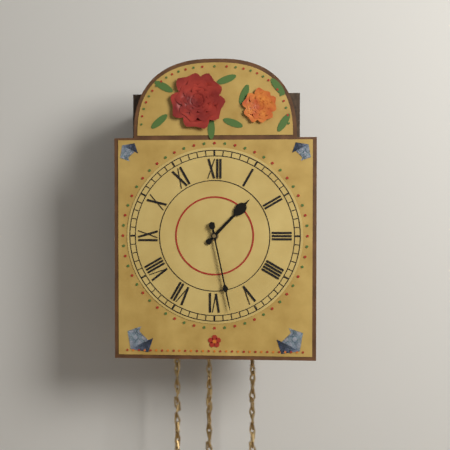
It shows 1.28
